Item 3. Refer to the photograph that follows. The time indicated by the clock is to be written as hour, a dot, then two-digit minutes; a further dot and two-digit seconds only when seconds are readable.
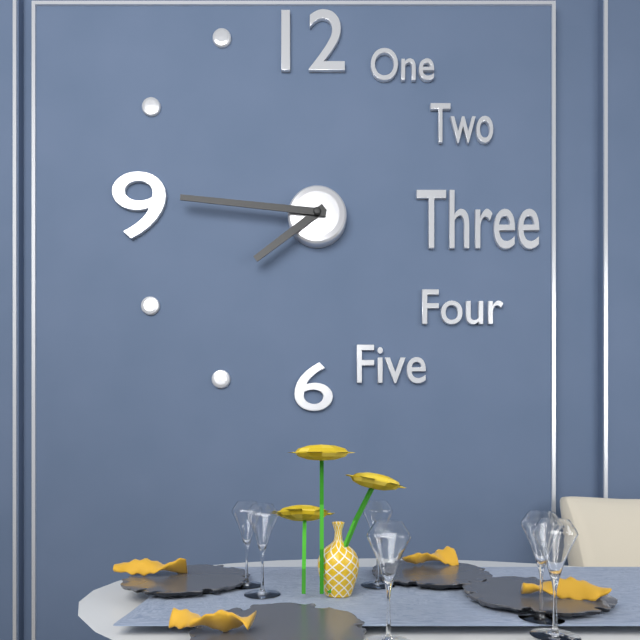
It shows 7.46
